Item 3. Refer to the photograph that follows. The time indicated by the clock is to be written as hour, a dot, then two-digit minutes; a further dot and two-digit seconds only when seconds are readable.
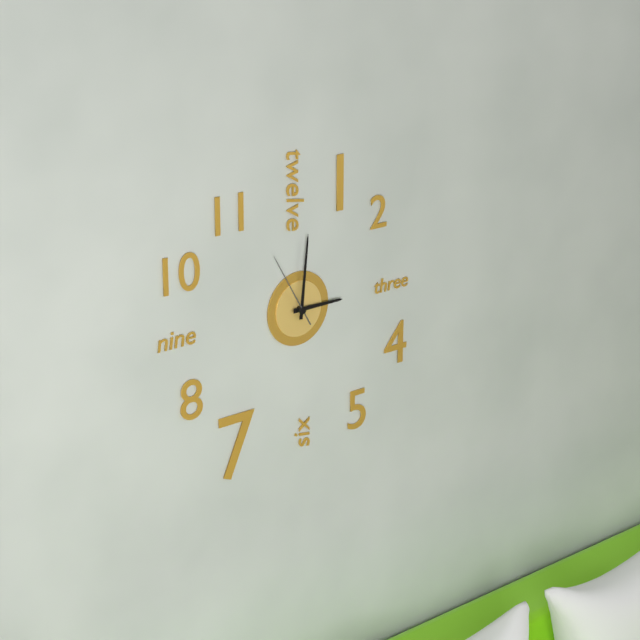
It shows 3.01.55
